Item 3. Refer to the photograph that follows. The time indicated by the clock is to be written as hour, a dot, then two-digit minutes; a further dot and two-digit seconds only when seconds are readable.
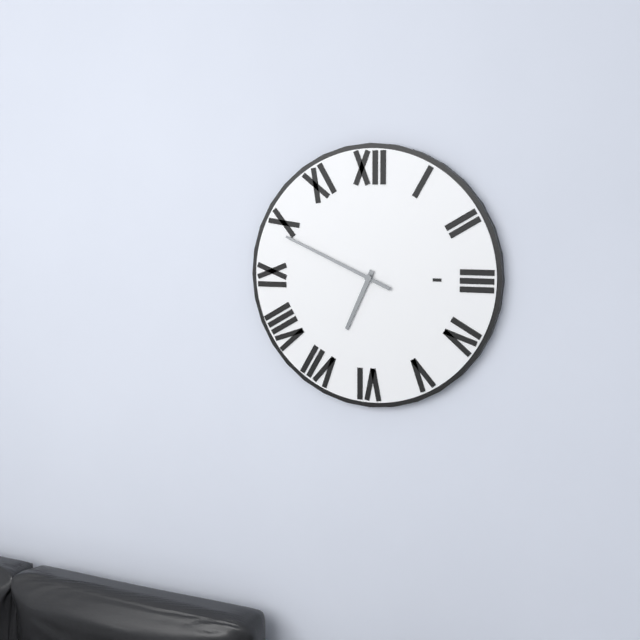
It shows 6.49
